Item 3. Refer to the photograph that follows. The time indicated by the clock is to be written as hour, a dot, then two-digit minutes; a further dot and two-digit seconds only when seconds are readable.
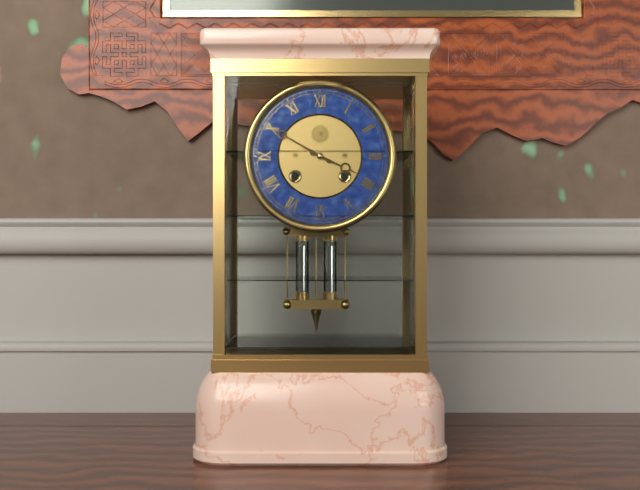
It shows 3.50
